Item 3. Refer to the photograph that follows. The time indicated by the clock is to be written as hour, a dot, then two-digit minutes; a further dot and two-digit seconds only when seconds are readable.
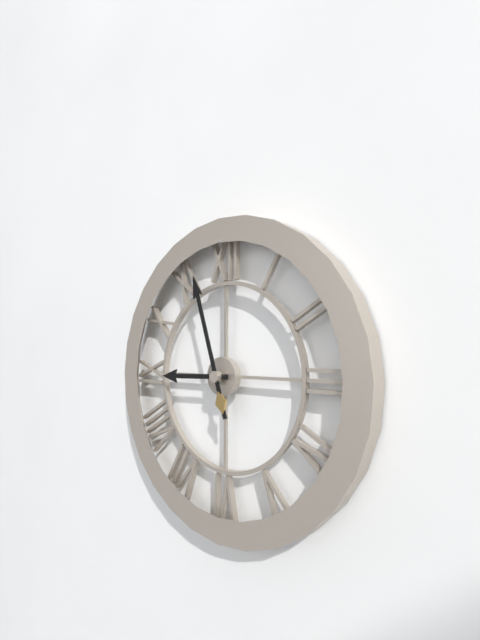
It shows 8.57
